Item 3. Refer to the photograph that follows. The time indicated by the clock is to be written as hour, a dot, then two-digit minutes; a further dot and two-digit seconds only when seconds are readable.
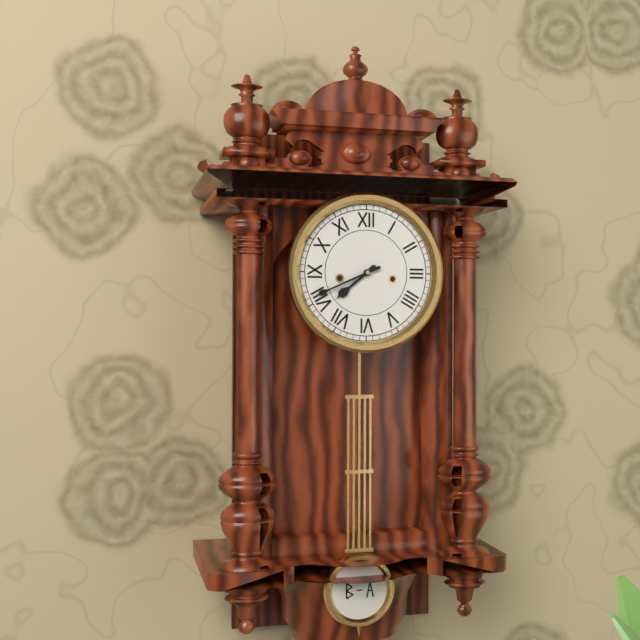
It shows 7.41
